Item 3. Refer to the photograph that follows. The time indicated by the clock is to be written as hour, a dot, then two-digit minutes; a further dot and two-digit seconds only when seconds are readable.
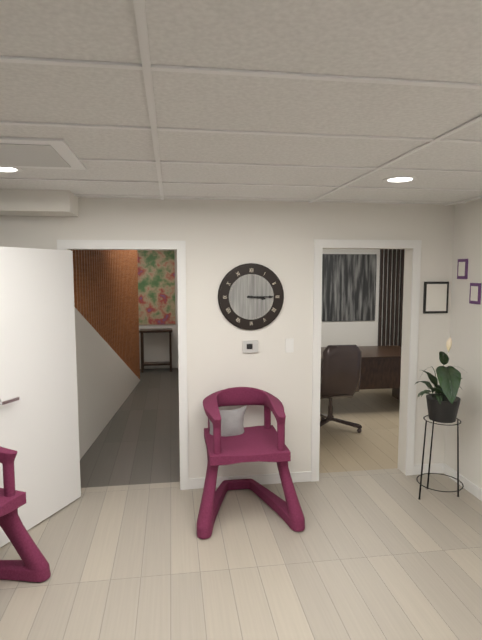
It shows 3.15
